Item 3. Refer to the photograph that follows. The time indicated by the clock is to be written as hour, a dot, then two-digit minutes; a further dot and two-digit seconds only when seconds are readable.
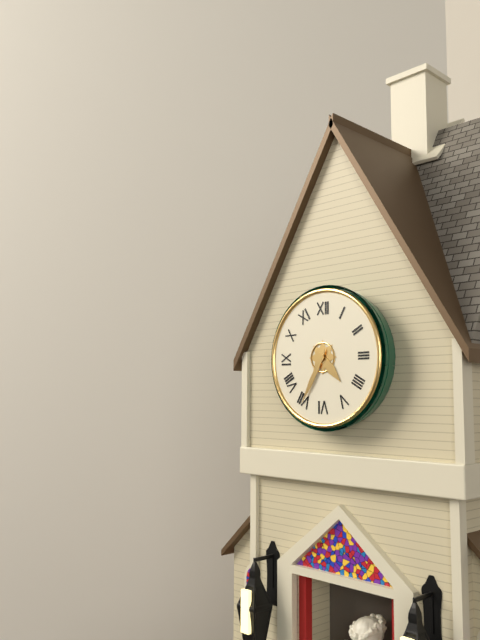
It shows 4.35
